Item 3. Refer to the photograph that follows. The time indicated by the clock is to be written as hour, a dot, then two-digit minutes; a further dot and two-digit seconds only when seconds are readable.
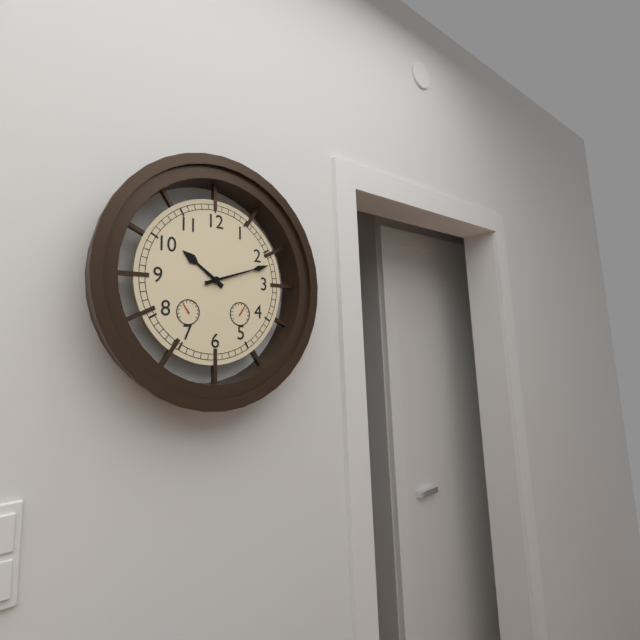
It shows 10.12
